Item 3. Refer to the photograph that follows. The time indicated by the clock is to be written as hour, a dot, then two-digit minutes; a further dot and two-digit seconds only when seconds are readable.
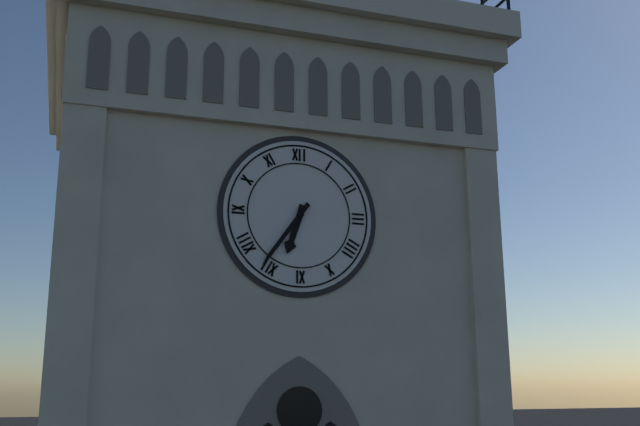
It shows 6.36
